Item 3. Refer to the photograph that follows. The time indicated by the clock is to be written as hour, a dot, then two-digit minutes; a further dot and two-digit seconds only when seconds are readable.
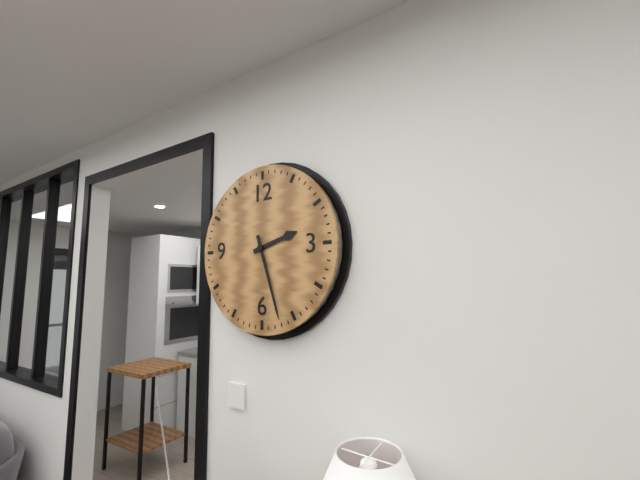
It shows 2.27
